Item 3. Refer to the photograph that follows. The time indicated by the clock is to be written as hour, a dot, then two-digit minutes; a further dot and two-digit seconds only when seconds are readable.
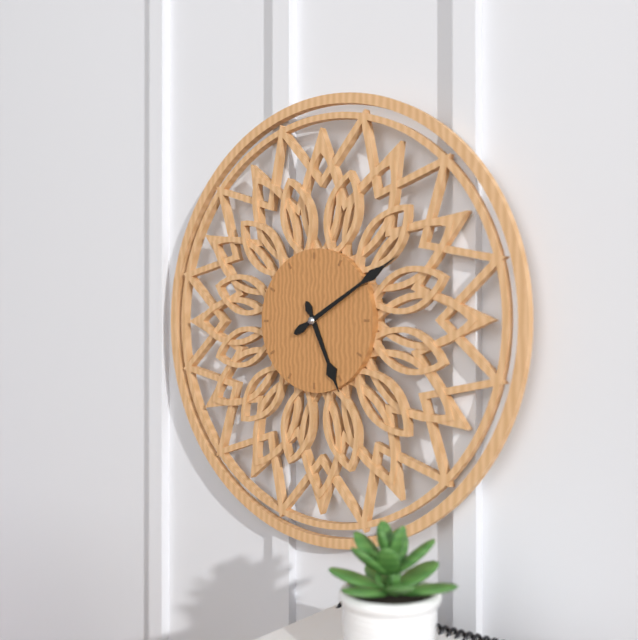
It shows 5.10
